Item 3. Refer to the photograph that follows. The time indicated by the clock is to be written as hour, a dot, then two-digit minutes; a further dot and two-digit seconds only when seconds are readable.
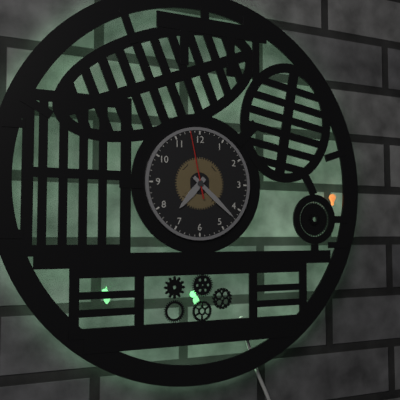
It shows 7.22.58
